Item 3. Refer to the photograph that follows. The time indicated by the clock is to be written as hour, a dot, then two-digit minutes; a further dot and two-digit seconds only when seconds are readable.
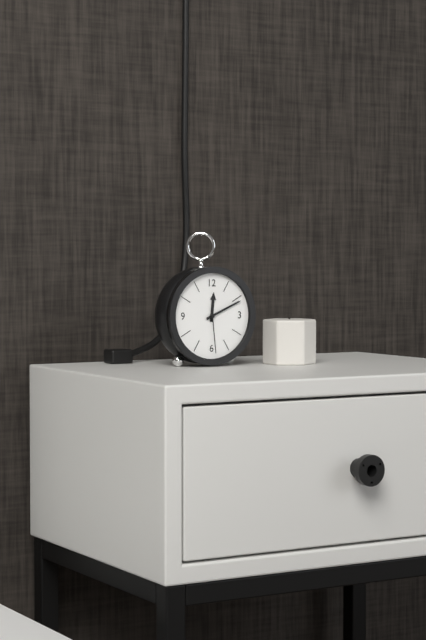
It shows 12.11
